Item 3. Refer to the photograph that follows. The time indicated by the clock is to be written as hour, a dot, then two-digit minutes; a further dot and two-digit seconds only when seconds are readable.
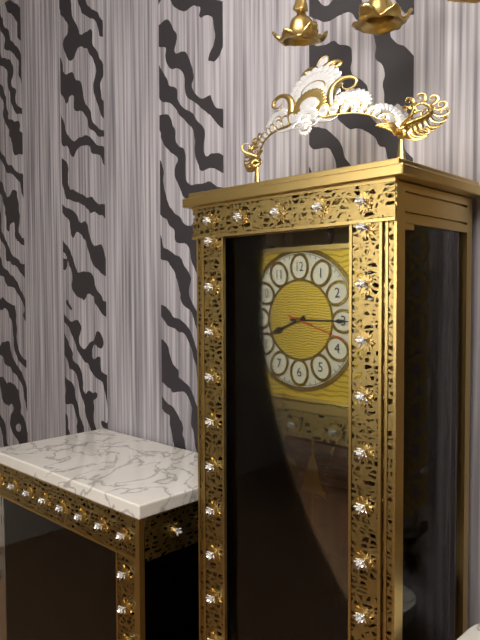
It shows 8.15.18
